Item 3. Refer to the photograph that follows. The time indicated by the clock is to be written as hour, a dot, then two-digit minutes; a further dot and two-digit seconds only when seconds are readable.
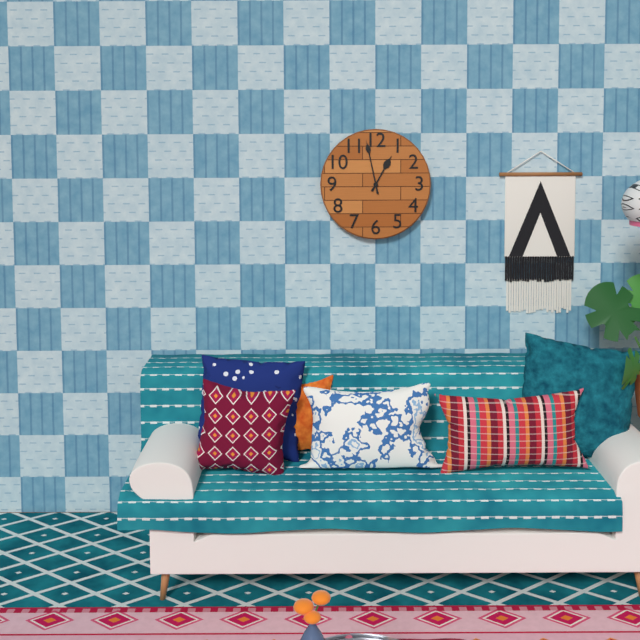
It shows 12.58
